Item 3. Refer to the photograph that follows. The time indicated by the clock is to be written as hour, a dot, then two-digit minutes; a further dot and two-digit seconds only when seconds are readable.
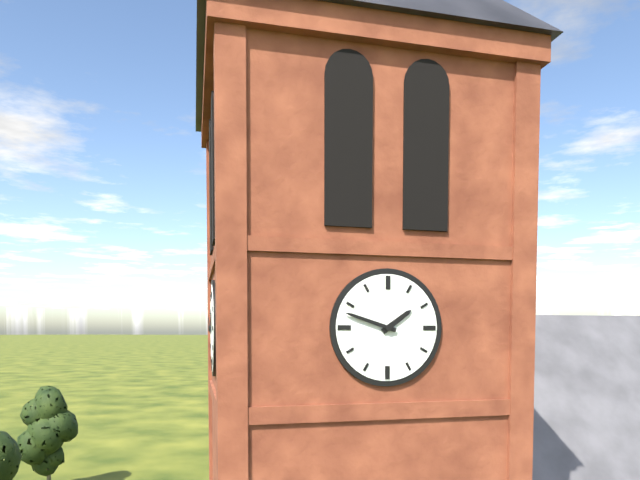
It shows 1.48
